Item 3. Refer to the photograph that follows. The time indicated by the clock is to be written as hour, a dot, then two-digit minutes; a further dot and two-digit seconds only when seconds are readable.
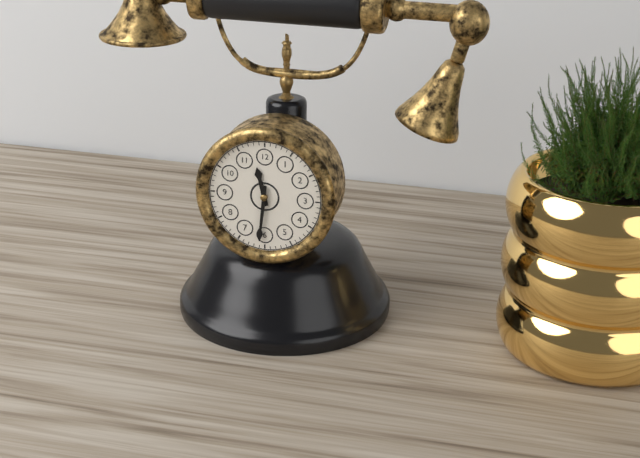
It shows 11.31
